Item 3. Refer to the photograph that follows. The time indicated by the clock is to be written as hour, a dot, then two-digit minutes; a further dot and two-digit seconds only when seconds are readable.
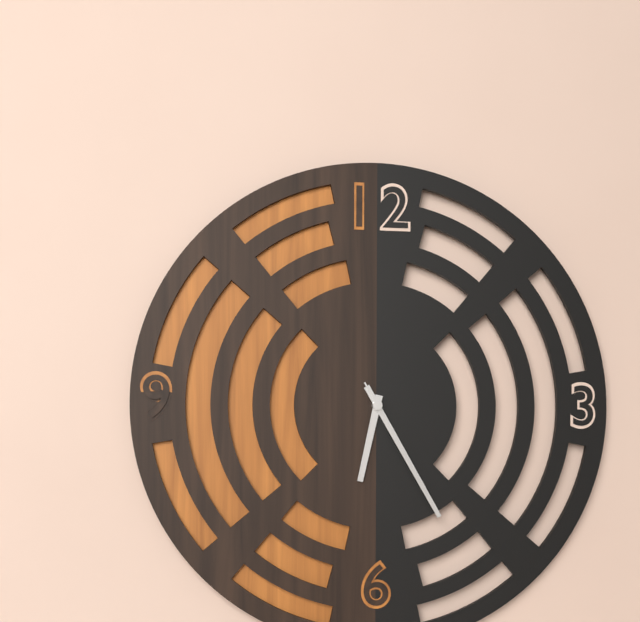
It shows 6.25.25
